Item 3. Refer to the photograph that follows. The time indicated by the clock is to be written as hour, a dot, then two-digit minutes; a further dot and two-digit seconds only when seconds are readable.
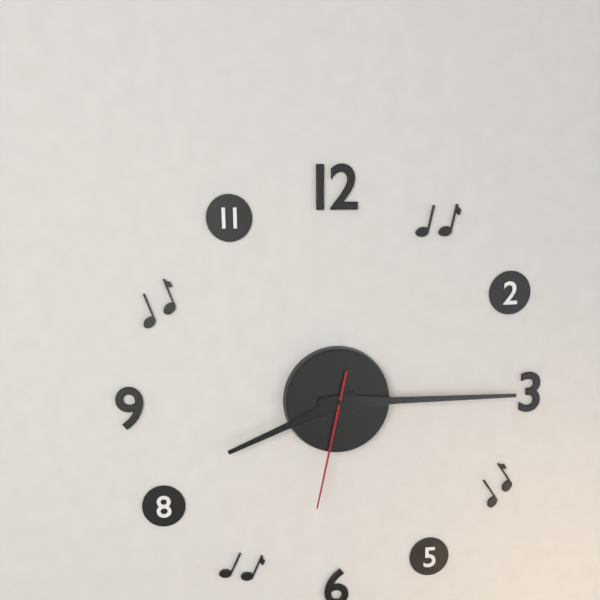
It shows 8.15.32
